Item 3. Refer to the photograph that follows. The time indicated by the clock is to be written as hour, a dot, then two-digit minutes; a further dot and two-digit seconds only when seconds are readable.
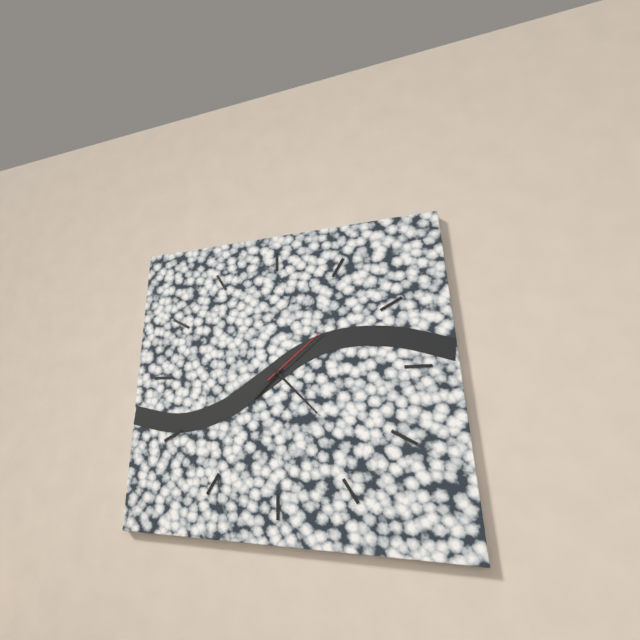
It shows 7.23.08
